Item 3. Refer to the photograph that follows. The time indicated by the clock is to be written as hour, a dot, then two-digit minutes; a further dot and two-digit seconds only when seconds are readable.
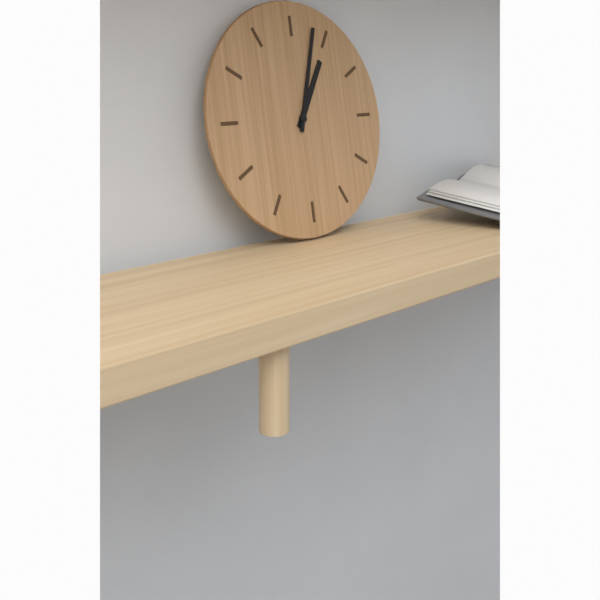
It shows 1.03
